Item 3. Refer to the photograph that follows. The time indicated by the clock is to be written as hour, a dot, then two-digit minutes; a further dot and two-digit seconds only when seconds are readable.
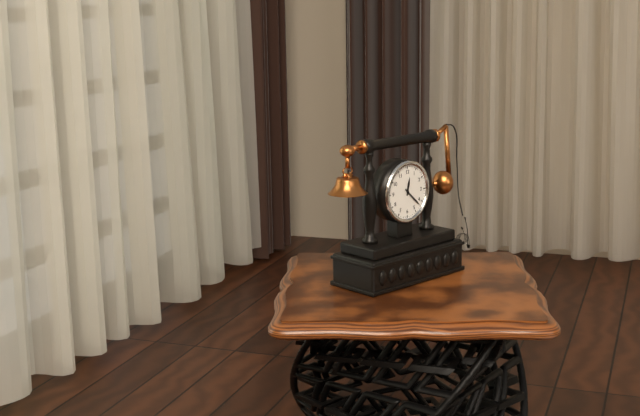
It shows 12.22
